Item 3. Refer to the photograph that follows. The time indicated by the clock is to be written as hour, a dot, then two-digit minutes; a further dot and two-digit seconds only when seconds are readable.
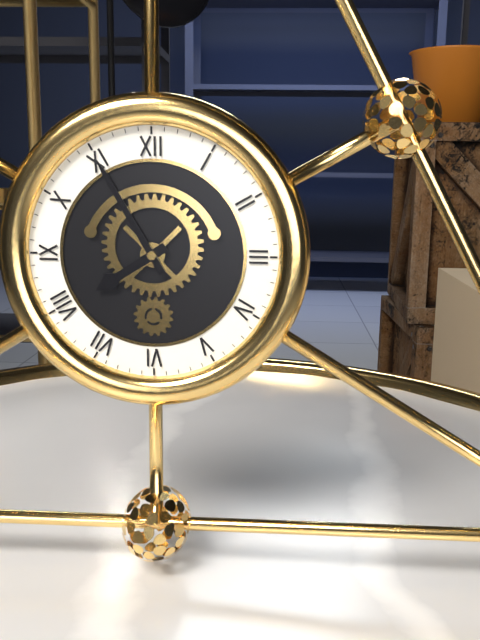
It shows 7.55
